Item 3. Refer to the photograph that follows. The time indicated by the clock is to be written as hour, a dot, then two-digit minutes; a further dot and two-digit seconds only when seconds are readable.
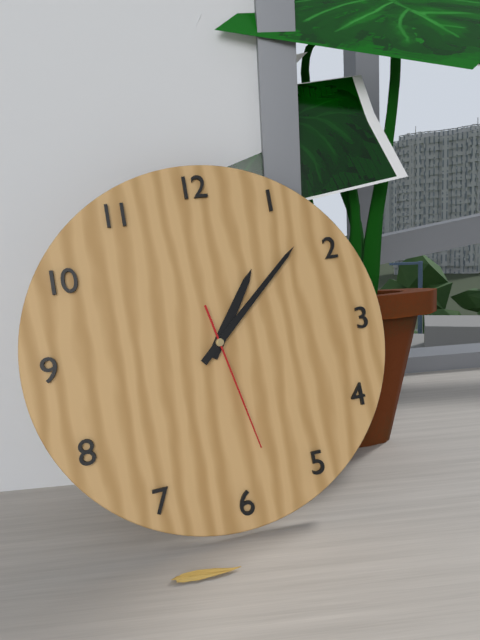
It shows 1.08.28
